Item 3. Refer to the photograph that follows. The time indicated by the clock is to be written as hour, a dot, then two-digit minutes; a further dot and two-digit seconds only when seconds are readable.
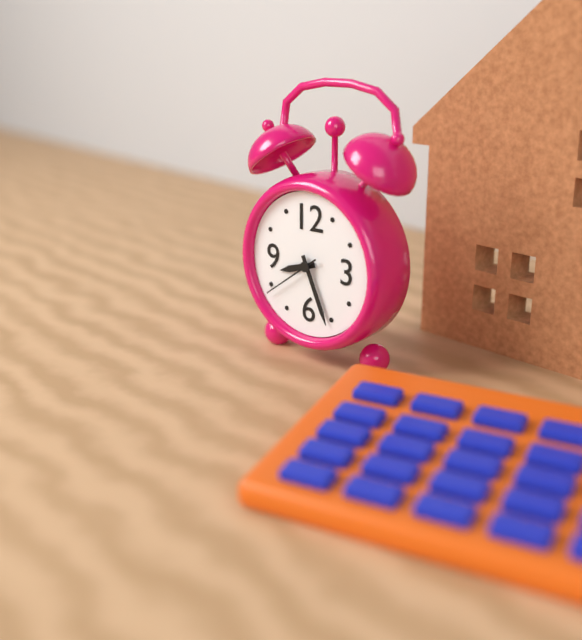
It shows 8.26.39
